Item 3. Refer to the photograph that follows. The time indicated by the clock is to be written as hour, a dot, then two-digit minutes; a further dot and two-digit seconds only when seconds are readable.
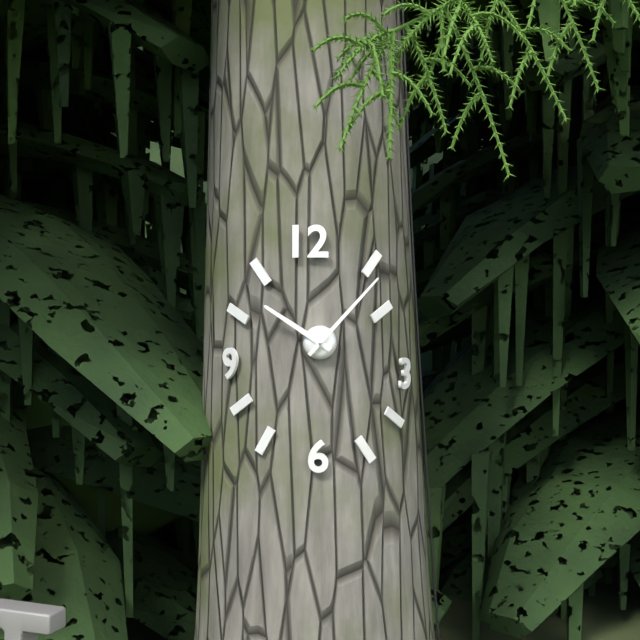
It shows 10.07
